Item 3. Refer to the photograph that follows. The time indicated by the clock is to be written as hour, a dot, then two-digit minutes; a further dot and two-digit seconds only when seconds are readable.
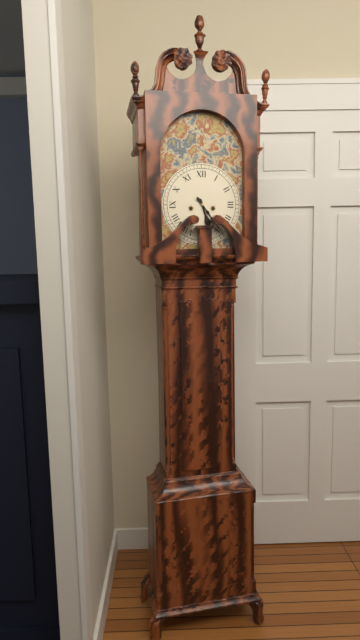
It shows 5.24
